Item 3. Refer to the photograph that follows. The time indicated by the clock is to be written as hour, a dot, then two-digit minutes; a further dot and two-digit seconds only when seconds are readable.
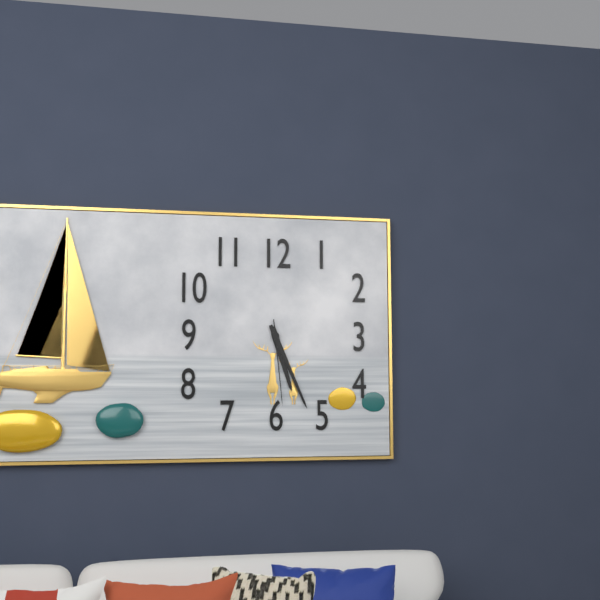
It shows 5.26.29
